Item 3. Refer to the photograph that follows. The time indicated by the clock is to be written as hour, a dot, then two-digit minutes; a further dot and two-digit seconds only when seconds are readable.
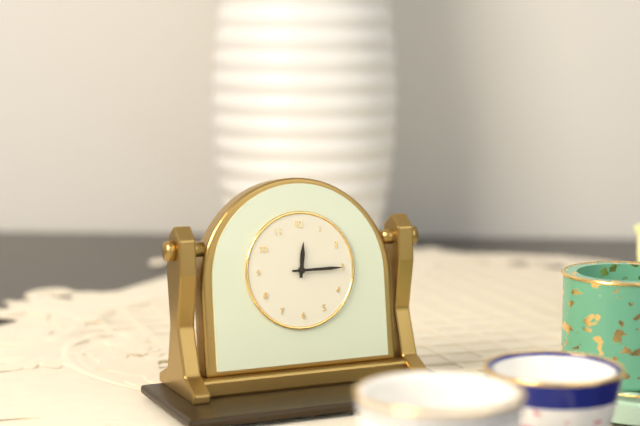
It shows 12.15
